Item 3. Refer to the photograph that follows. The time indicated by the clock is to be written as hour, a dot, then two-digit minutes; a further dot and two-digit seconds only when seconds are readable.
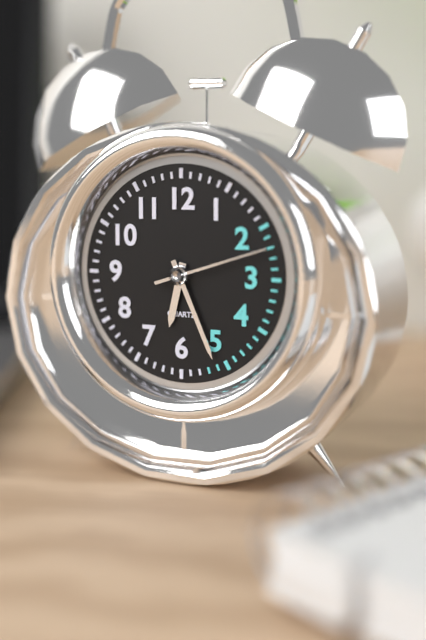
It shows 6.26.12
